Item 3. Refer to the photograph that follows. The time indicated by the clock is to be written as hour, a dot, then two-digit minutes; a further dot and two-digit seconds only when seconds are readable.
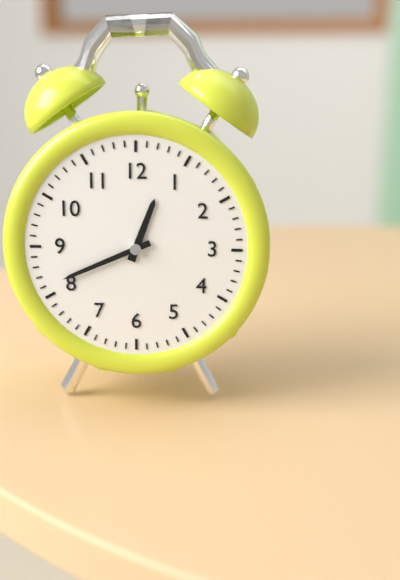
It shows 12.41
